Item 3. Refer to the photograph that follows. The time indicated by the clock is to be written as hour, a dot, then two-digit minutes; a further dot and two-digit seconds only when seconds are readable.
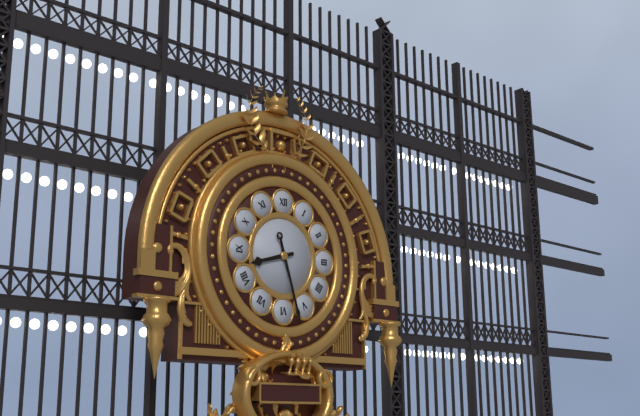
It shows 8.27
